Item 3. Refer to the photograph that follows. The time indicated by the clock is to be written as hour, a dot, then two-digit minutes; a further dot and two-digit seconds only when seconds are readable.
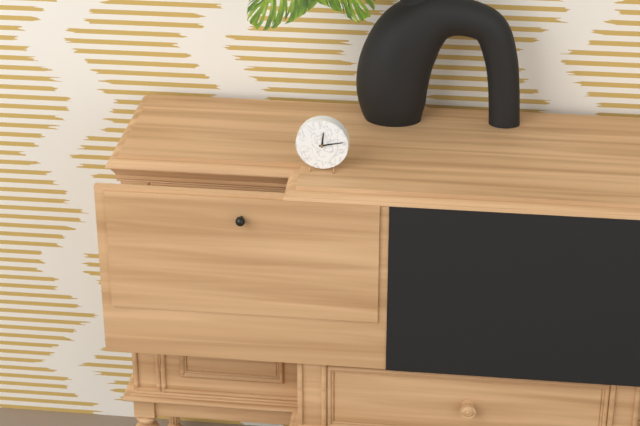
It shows 12.13
